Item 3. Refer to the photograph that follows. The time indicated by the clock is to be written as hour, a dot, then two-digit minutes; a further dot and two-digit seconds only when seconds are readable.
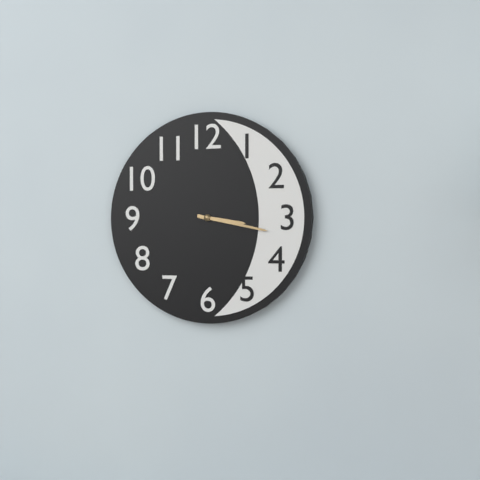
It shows 3.17
